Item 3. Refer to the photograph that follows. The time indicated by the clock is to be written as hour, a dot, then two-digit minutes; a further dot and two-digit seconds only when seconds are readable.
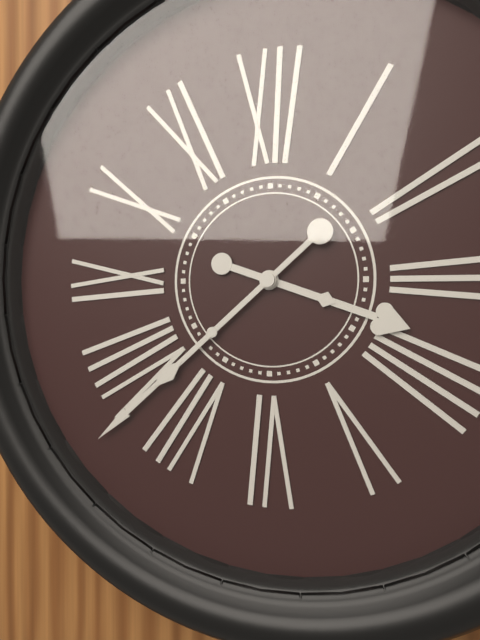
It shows 3.38
